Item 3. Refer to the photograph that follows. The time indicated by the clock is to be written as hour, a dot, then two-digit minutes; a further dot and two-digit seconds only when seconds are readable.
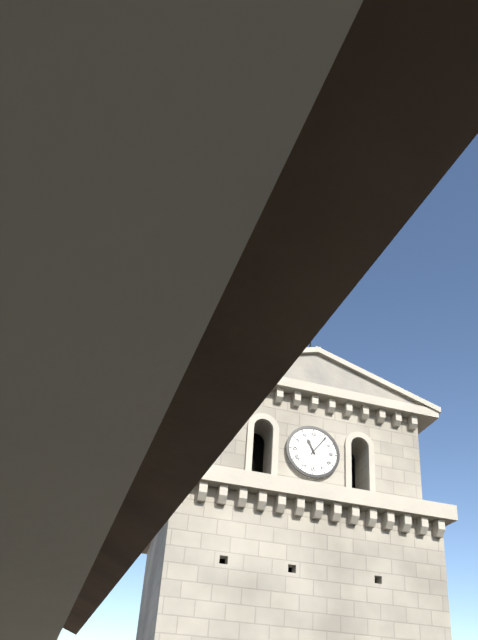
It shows 11.06
